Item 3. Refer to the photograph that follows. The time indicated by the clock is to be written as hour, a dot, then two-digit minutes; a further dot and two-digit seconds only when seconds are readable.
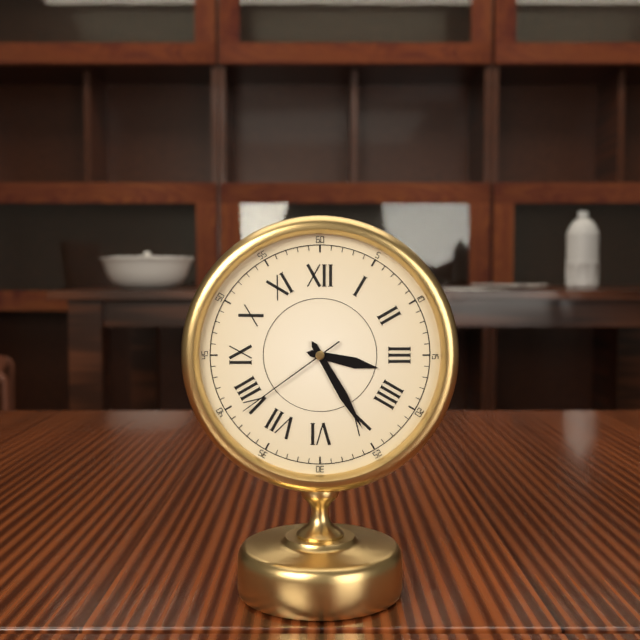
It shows 3.25.39
